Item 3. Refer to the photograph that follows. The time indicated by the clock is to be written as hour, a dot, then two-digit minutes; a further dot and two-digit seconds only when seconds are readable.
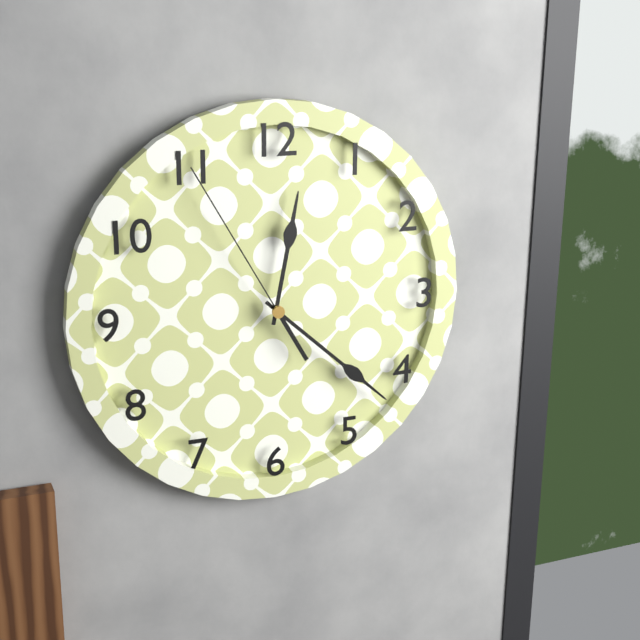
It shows 12.22.55
